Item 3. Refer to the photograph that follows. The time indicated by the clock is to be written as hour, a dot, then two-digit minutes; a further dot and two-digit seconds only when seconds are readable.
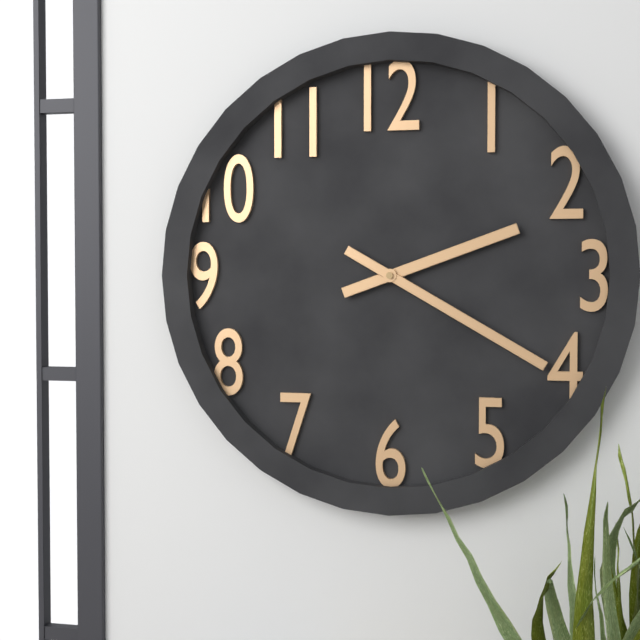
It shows 2.20
